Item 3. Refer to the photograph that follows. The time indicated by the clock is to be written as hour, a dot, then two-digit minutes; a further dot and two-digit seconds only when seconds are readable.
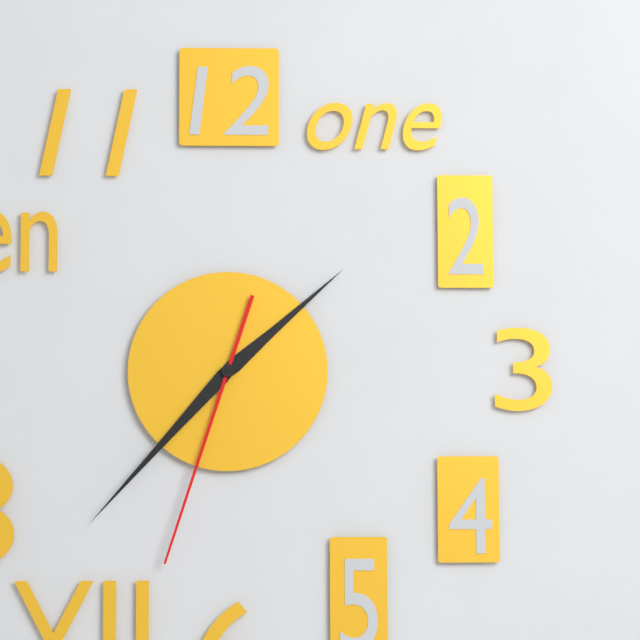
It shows 1.37.33
